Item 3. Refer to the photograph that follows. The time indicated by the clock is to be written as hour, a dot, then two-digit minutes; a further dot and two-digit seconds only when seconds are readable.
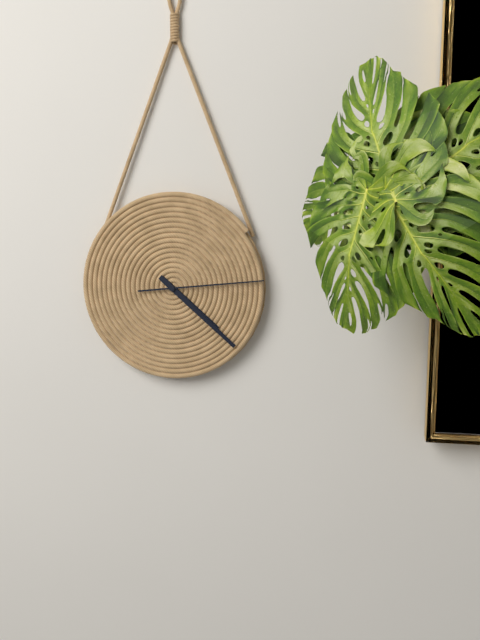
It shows 4.22.14
